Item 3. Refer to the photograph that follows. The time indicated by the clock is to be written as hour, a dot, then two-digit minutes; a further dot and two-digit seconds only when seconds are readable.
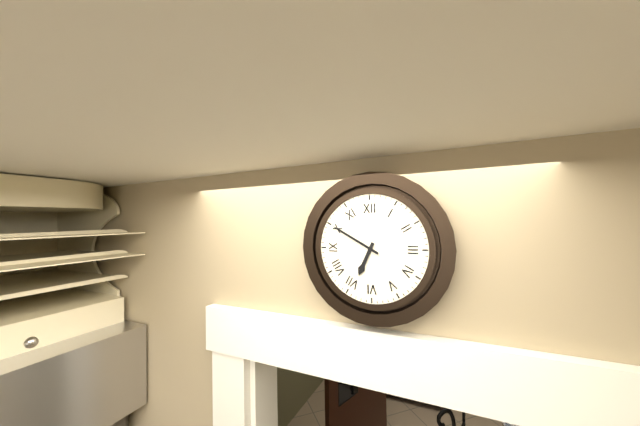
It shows 6.50
